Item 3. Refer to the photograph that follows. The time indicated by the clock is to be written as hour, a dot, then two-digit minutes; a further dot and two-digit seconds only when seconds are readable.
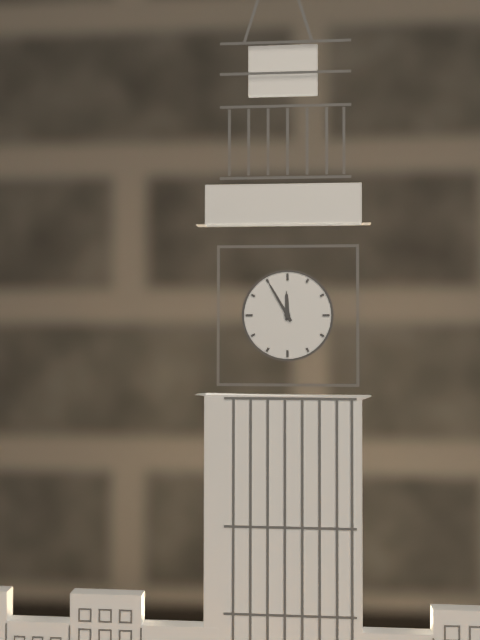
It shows 11.55
